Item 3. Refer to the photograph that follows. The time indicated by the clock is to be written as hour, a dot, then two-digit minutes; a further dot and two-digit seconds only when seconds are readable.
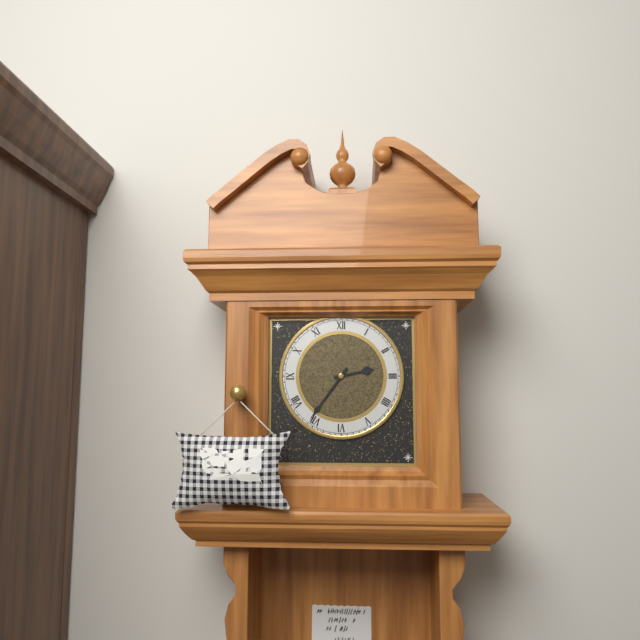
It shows 2.36
